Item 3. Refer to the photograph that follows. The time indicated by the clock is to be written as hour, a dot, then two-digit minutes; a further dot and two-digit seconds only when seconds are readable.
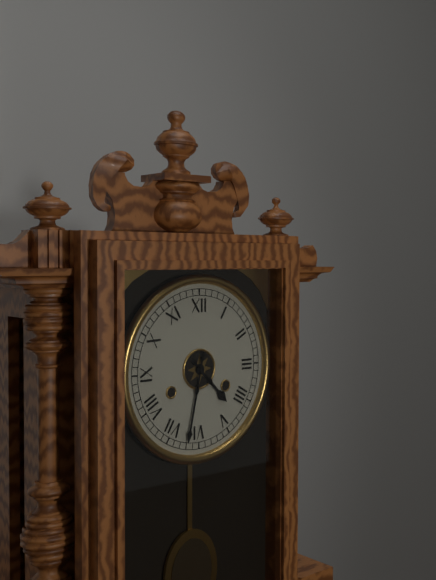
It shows 4.32
